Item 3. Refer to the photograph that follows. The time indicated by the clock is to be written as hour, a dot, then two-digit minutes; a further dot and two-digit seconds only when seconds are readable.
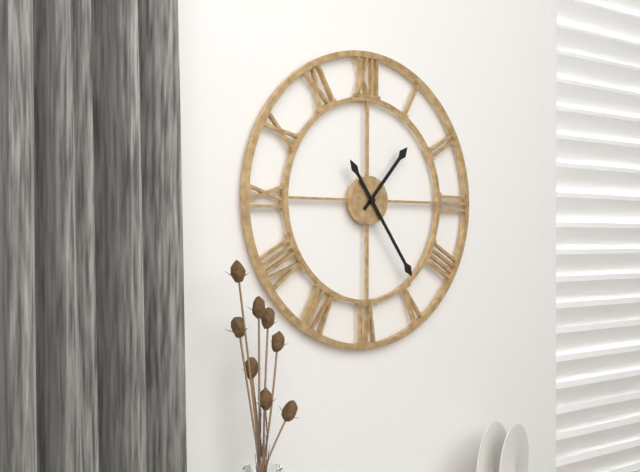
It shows 1.24
